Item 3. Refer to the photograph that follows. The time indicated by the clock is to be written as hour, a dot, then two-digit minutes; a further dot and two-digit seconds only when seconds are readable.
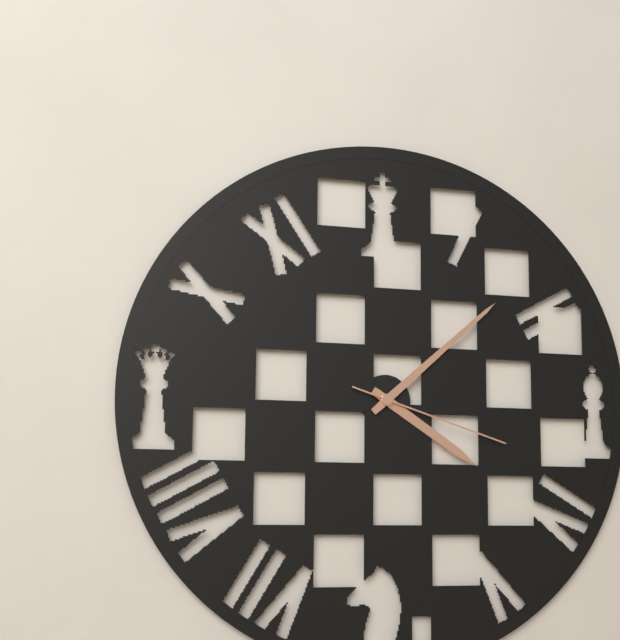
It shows 4.08.18
